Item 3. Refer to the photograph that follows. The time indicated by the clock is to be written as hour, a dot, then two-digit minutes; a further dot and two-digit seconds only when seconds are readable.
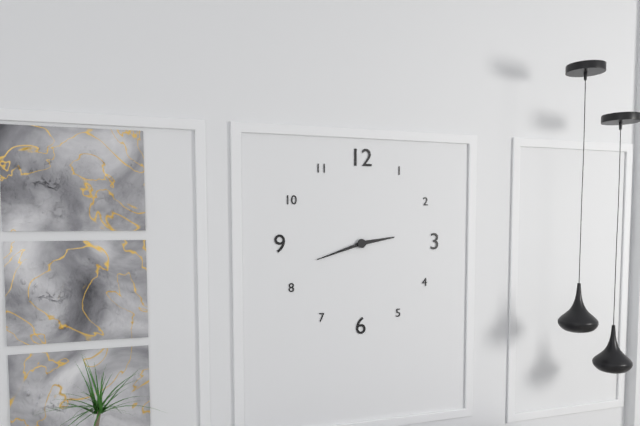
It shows 2.42
